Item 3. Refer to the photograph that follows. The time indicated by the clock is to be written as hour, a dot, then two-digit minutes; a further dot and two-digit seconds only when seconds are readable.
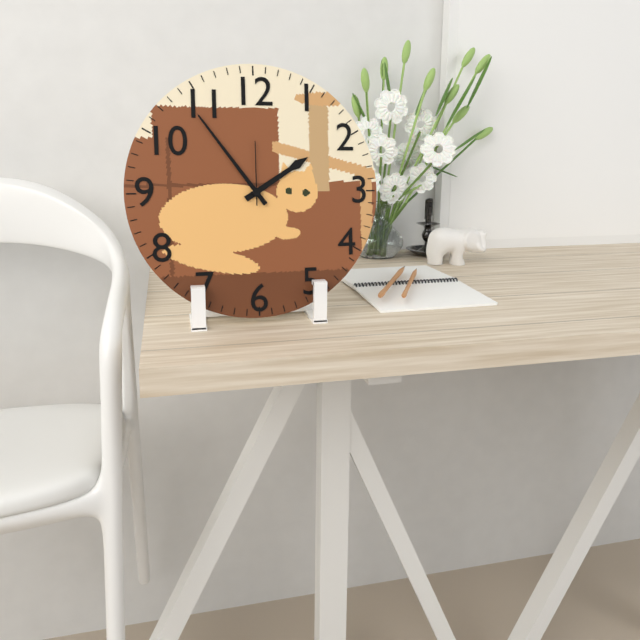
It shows 1.54.00
